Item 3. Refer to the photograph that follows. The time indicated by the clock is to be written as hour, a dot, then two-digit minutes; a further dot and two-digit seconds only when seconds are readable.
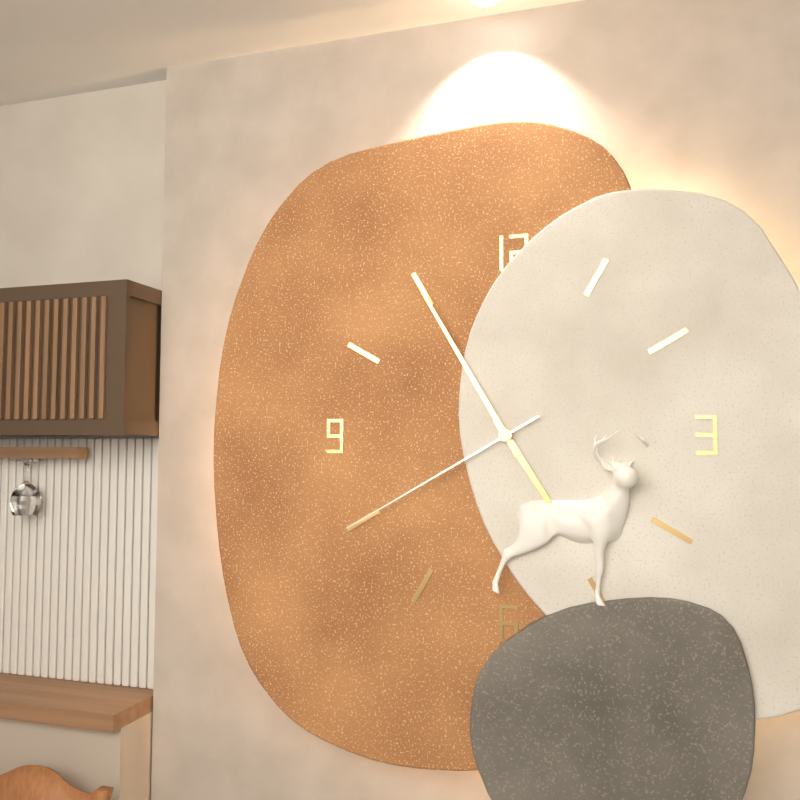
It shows 4.55.40
